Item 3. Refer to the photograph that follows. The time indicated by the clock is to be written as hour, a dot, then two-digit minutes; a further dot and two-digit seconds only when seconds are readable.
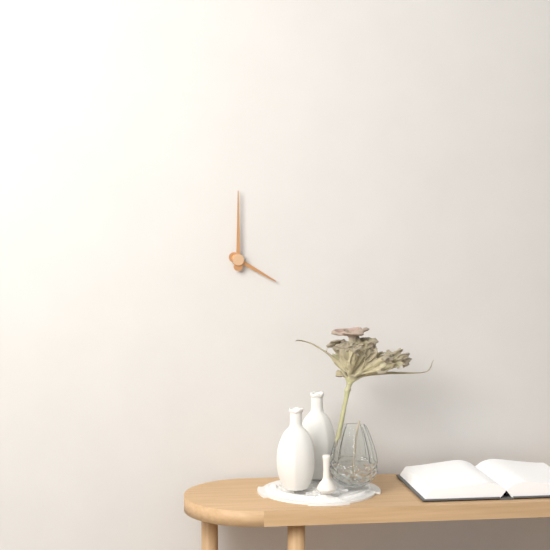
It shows 4.00
